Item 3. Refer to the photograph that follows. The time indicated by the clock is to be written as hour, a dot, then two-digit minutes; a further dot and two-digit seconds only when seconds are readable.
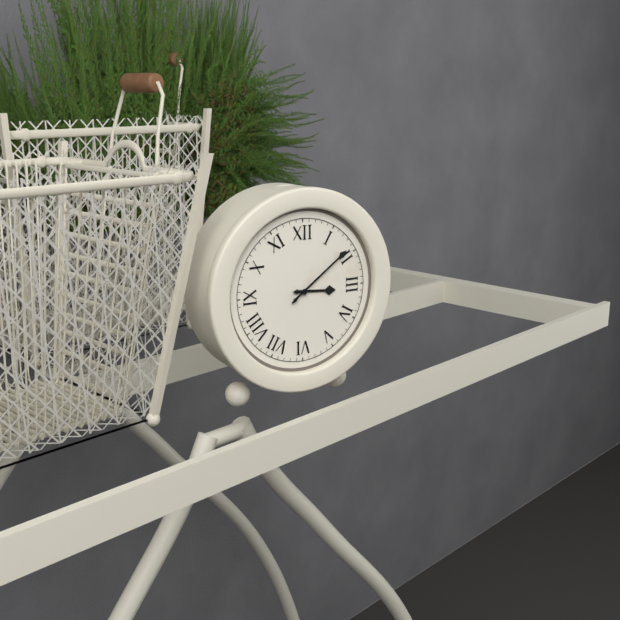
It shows 3.09
